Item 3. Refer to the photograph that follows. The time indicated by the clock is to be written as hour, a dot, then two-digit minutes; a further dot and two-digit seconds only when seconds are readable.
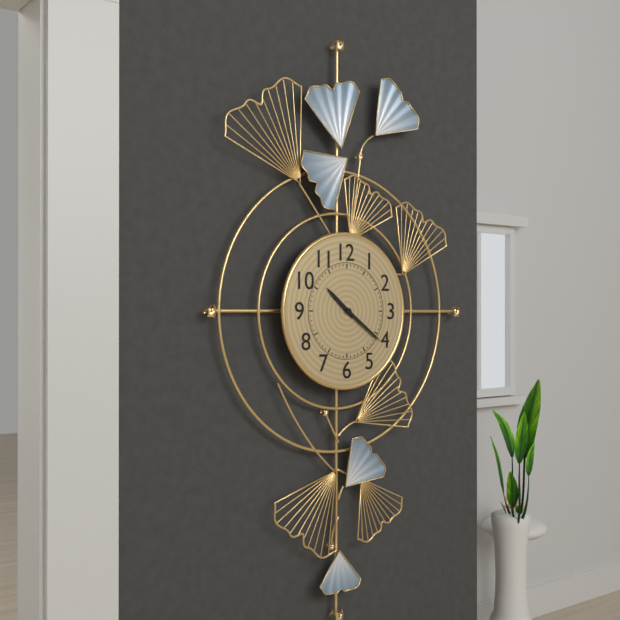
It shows 10.21
